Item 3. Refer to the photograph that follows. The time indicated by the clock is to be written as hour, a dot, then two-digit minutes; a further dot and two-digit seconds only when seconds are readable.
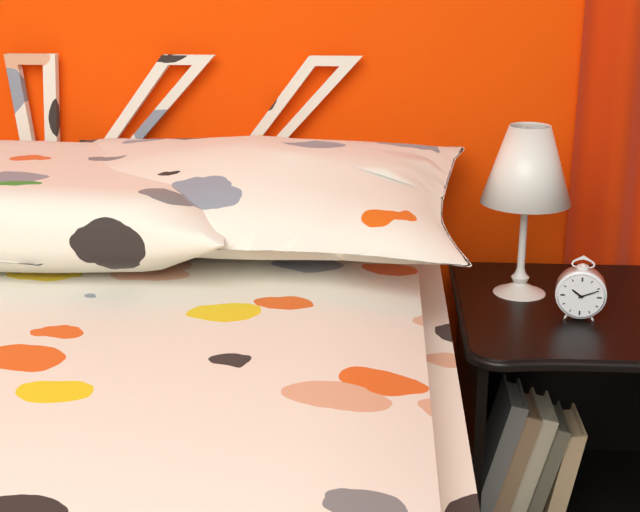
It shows 10.11
